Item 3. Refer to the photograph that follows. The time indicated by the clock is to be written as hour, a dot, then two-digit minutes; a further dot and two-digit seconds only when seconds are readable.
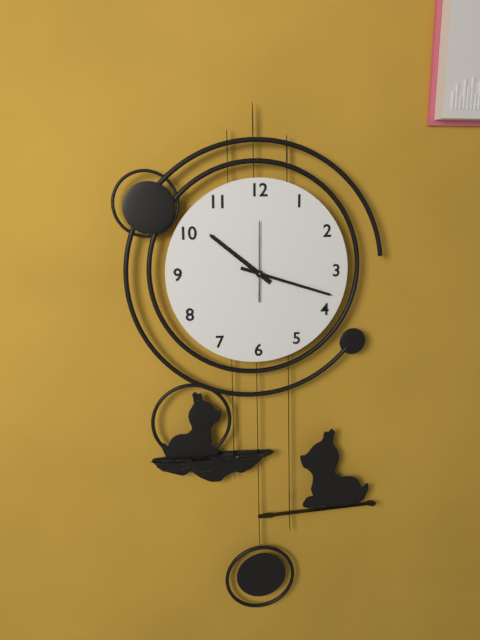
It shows 10.18.00
